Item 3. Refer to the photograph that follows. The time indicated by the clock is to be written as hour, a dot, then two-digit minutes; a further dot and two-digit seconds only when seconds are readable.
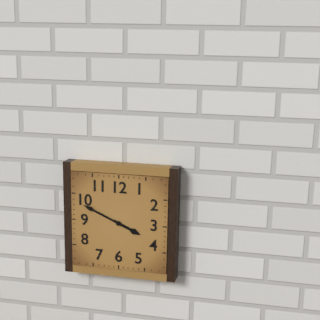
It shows 3.49
